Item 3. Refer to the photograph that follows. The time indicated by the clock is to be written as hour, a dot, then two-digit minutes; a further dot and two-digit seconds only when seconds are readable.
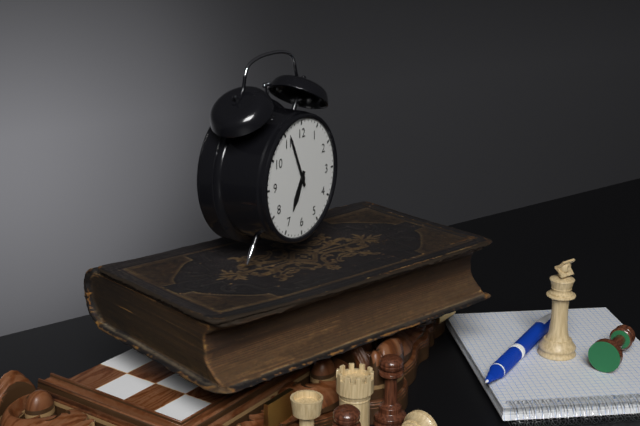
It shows 6.56
